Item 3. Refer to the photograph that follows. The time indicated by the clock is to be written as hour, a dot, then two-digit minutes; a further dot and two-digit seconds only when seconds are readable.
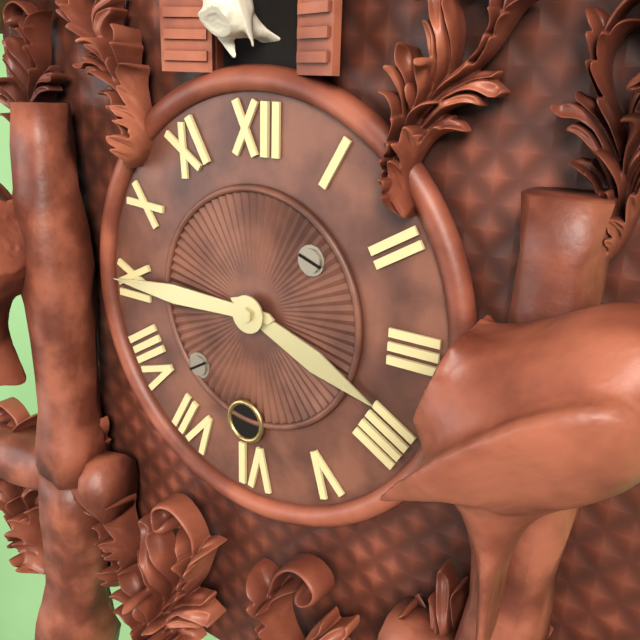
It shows 3.45
